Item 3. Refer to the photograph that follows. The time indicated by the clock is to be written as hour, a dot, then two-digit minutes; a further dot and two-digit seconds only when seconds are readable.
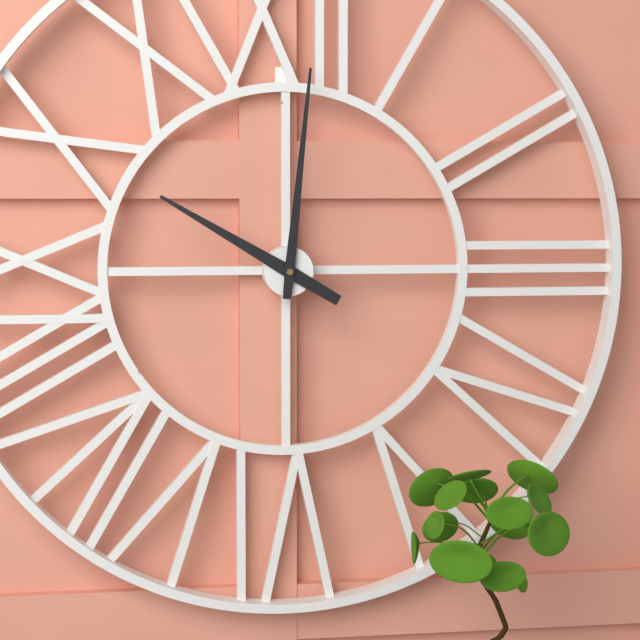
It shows 10.01
